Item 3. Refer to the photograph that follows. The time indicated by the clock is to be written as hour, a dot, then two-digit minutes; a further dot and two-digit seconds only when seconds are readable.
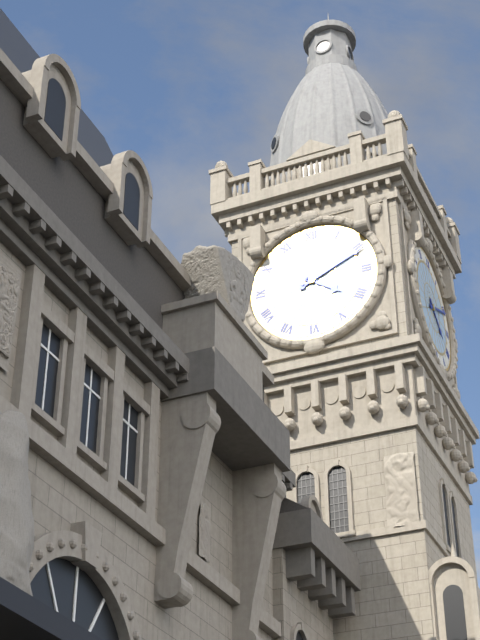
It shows 4.11
